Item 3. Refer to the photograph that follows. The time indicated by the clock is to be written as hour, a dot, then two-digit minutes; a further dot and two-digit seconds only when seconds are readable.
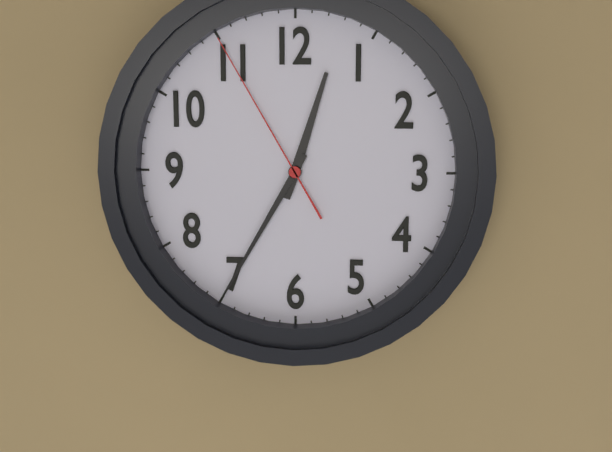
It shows 12.35.55
